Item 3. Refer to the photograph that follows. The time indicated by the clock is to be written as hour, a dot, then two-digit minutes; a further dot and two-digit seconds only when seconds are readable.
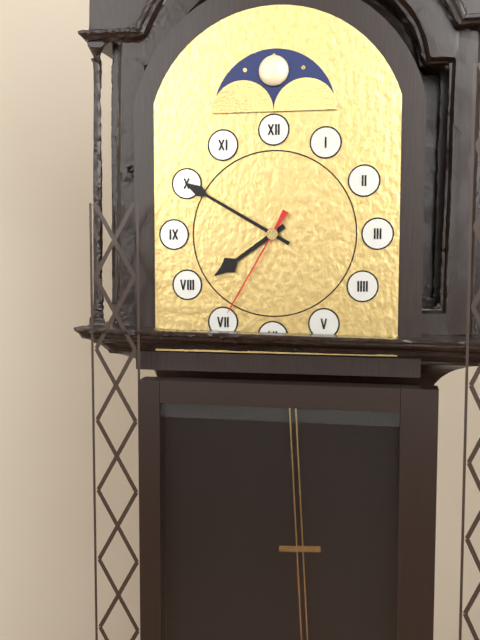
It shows 7.50.35
